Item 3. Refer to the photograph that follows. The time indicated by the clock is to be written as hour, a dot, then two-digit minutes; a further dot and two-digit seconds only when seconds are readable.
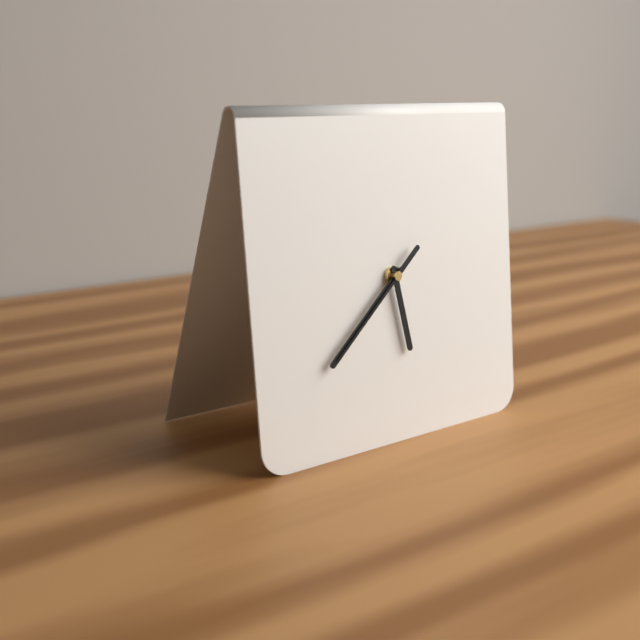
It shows 5.38.38
